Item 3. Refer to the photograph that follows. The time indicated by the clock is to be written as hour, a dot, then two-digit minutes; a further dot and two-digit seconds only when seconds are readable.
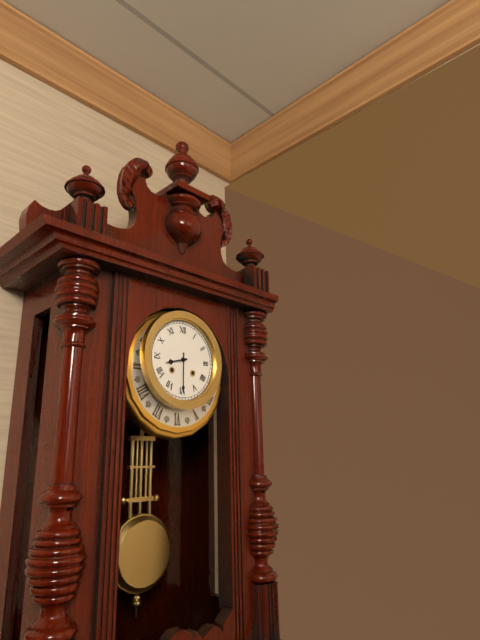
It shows 8.30
